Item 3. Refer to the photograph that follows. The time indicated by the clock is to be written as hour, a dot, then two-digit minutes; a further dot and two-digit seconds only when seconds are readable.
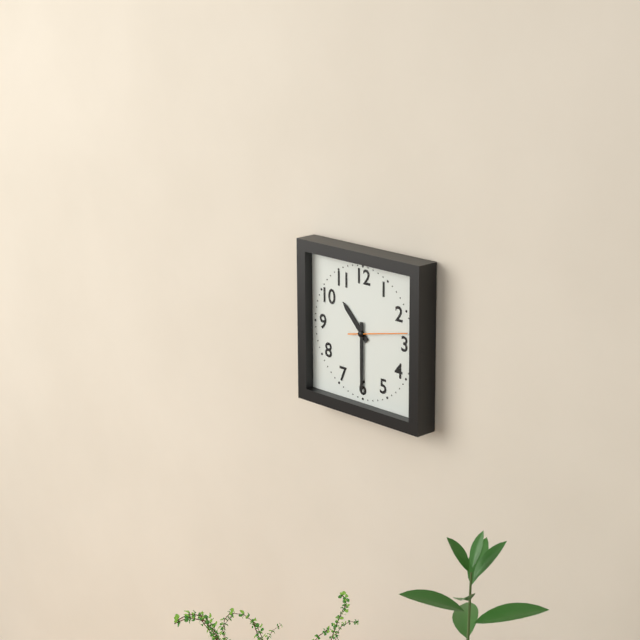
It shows 10.30.13
